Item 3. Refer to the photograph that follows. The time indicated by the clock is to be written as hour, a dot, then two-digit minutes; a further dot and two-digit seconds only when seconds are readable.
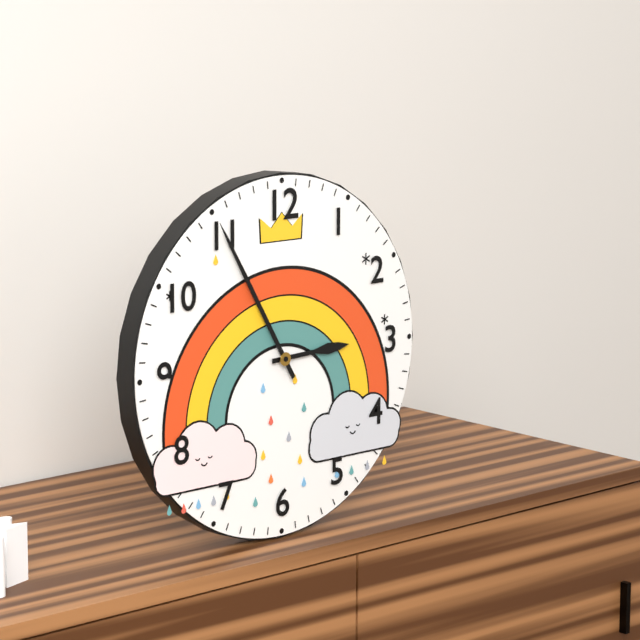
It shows 2.55
